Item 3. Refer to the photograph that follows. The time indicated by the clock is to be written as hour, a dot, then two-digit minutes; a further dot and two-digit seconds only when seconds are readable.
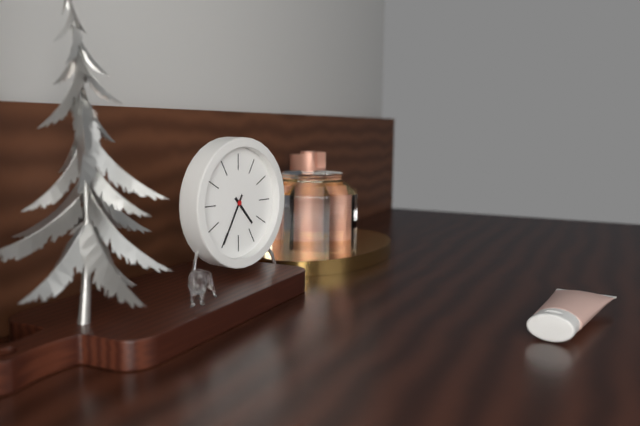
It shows 4.35
